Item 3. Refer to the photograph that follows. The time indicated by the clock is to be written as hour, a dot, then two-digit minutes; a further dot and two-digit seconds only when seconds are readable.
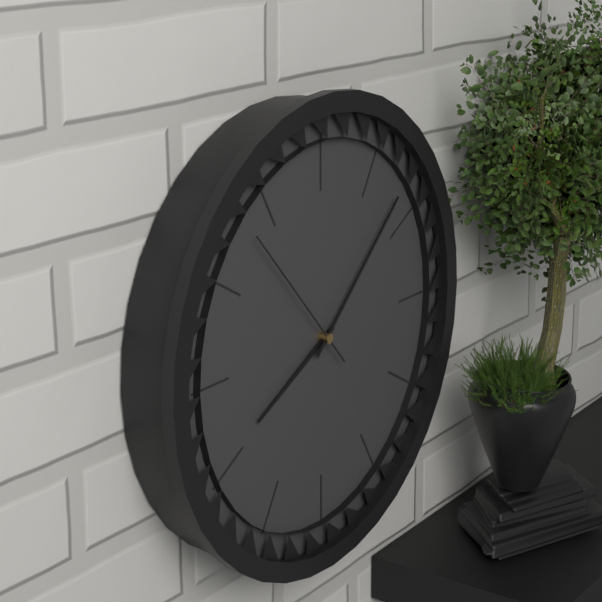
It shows 8.08.53
